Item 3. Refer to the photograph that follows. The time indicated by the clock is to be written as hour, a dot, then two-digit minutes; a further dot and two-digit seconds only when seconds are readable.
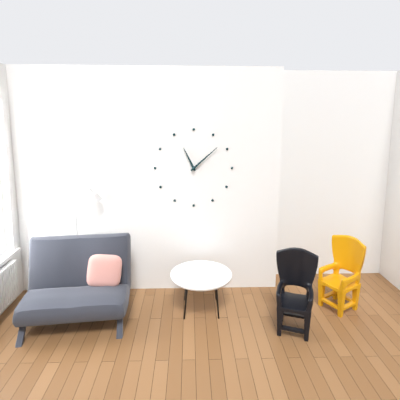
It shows 11.08
